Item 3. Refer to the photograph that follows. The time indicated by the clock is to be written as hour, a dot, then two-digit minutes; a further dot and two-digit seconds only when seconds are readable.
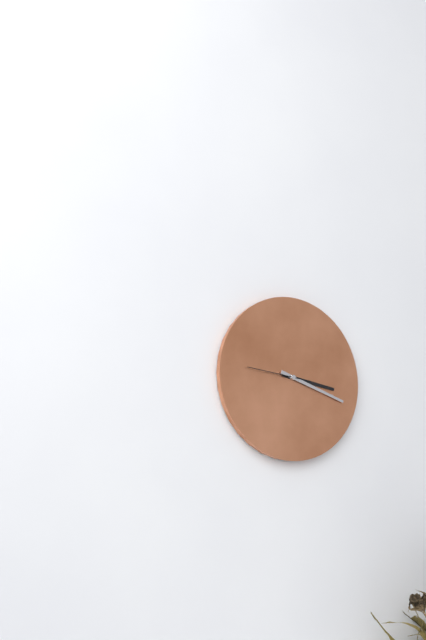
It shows 3.18.46
